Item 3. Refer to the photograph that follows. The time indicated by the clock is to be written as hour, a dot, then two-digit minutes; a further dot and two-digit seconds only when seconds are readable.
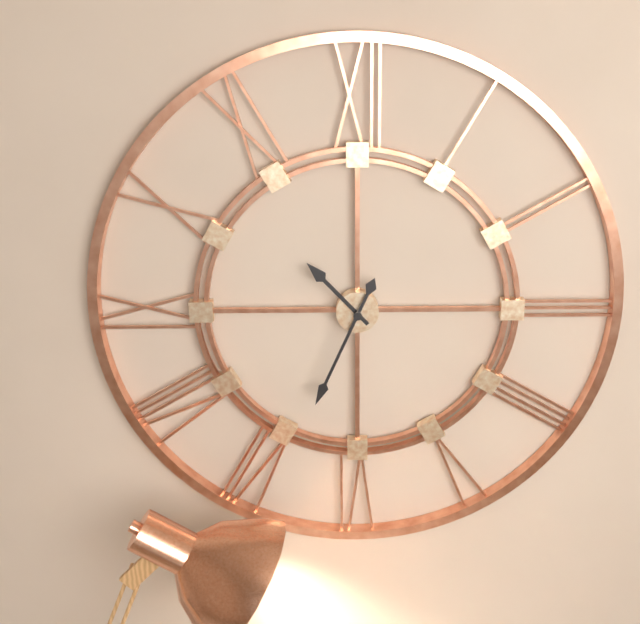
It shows 10.34
